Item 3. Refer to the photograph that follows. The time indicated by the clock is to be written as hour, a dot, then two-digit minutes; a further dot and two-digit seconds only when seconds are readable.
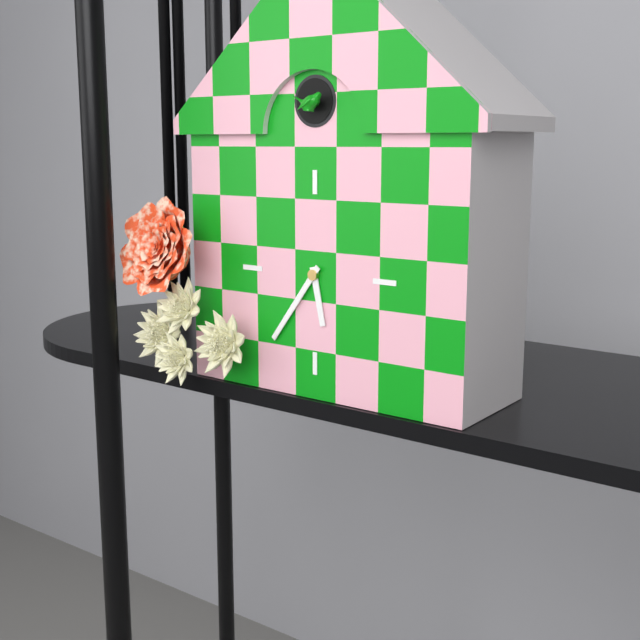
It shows 5.36
